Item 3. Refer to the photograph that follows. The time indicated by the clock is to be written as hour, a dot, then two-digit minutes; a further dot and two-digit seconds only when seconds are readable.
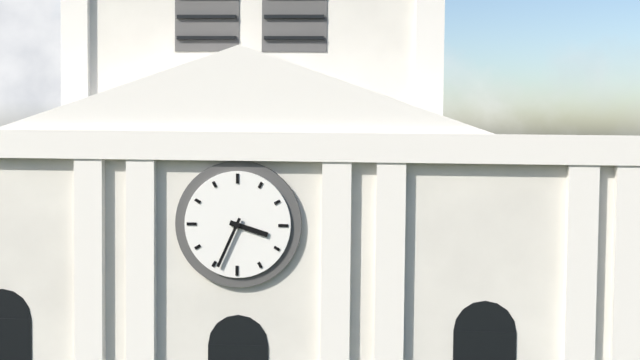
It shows 3.34
